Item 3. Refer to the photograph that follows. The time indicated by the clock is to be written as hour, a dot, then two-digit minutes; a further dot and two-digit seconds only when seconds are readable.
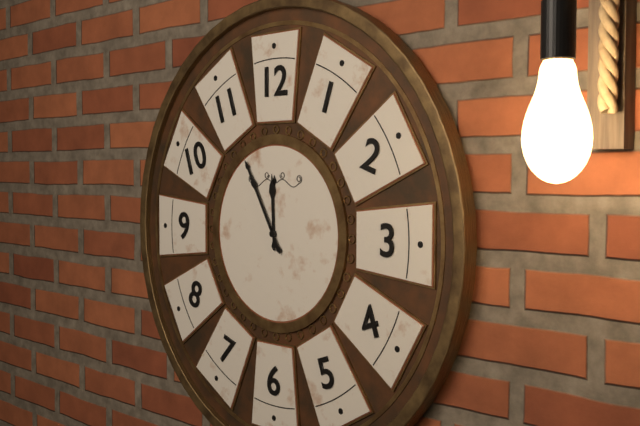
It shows 11.55
